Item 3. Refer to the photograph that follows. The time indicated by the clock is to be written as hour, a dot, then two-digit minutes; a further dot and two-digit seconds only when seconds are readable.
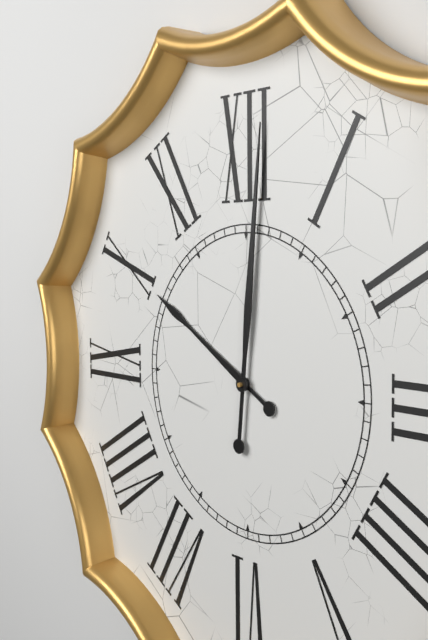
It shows 10.01
